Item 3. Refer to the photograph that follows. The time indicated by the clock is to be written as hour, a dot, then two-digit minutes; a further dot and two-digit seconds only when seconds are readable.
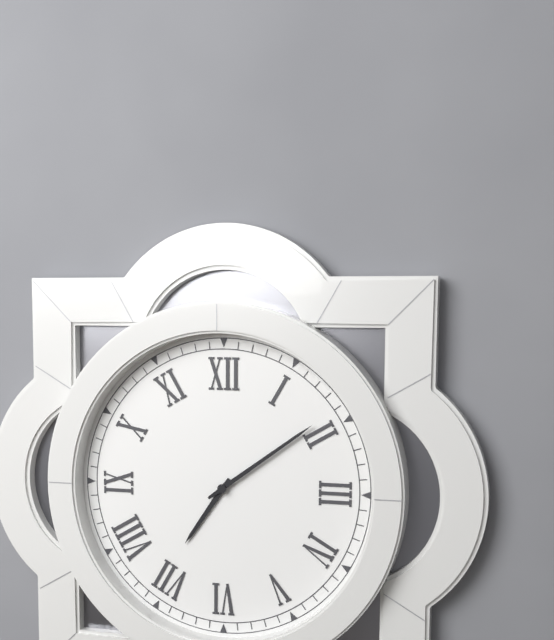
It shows 7.09
